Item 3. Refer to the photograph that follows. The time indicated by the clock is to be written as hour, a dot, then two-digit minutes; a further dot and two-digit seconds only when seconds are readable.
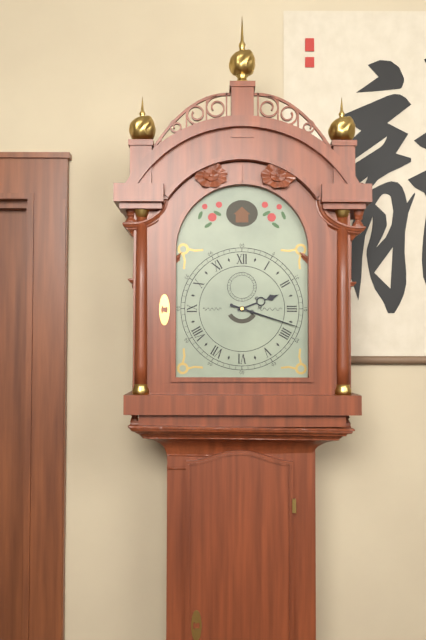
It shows 2.18
